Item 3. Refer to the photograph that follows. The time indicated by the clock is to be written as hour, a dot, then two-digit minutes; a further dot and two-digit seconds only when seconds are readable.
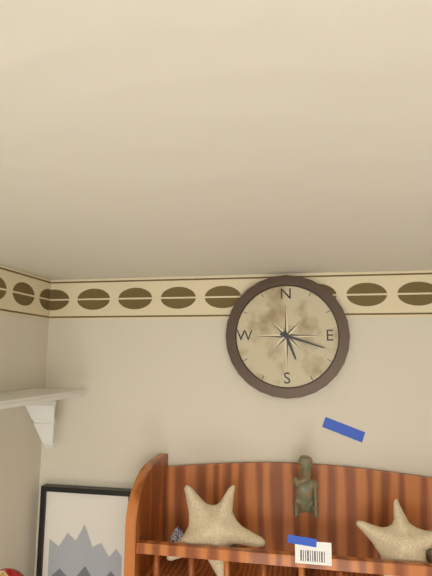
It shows 5.18
